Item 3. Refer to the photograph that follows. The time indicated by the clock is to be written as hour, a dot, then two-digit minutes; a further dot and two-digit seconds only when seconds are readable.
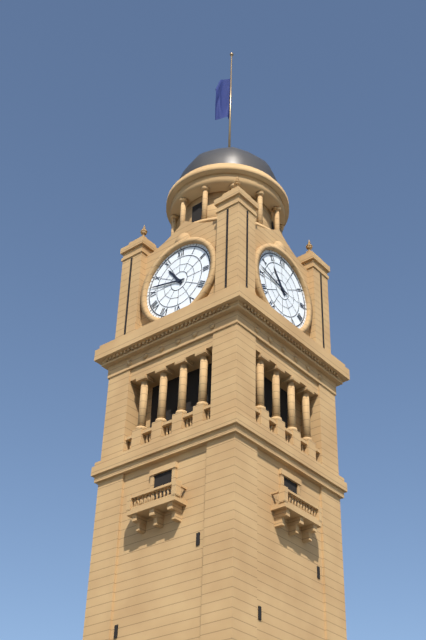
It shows 10.47
